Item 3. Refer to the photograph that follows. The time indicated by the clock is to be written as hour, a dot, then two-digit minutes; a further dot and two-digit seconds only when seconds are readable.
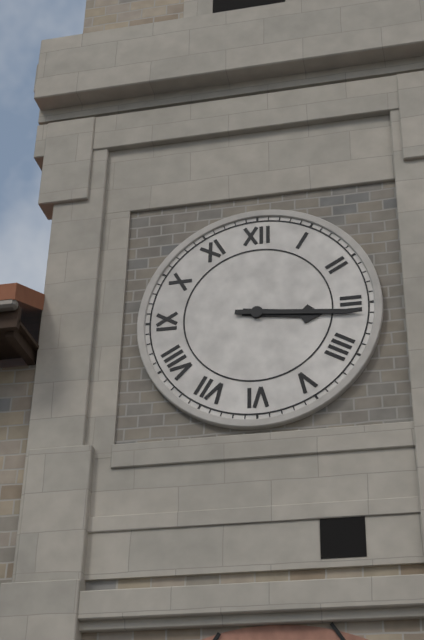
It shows 3.16
